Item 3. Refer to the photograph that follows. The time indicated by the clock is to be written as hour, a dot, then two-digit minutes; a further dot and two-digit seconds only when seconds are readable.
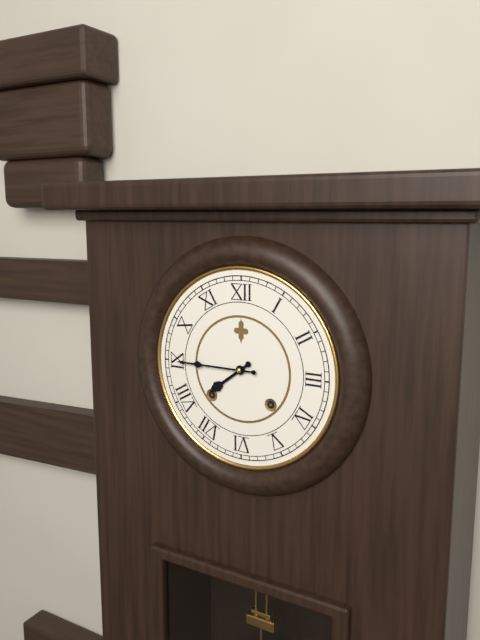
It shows 7.45
